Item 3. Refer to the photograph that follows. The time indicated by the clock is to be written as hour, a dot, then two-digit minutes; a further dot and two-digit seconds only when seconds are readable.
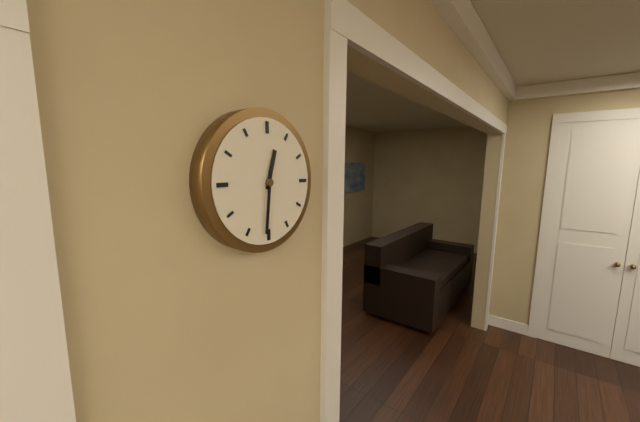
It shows 12.31
